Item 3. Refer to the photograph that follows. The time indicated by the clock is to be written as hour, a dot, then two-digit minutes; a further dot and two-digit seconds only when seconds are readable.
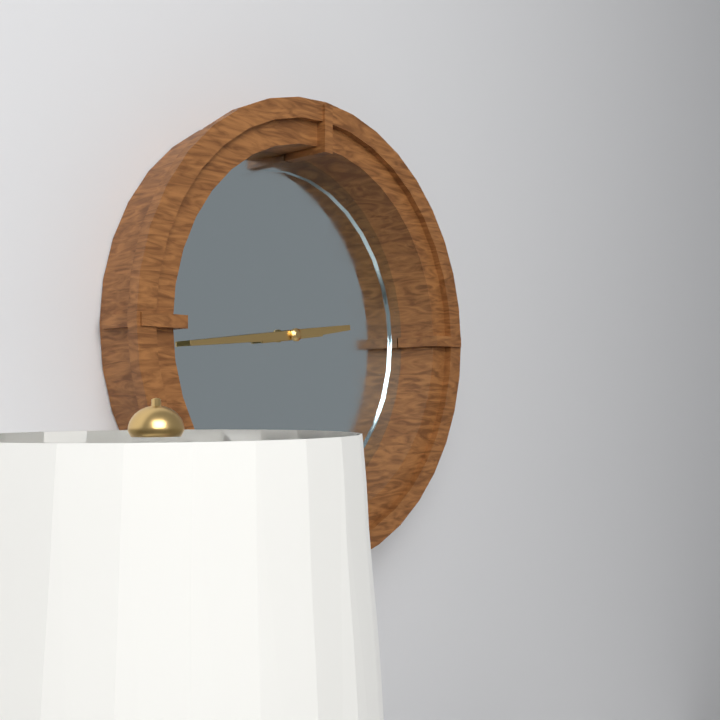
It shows 2.44
